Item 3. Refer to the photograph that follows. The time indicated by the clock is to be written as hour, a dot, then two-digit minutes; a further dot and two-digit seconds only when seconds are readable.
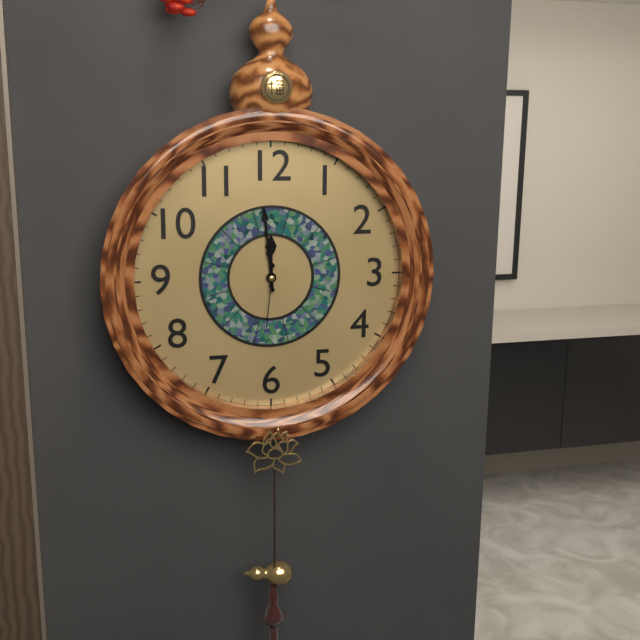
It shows 11.59.31
